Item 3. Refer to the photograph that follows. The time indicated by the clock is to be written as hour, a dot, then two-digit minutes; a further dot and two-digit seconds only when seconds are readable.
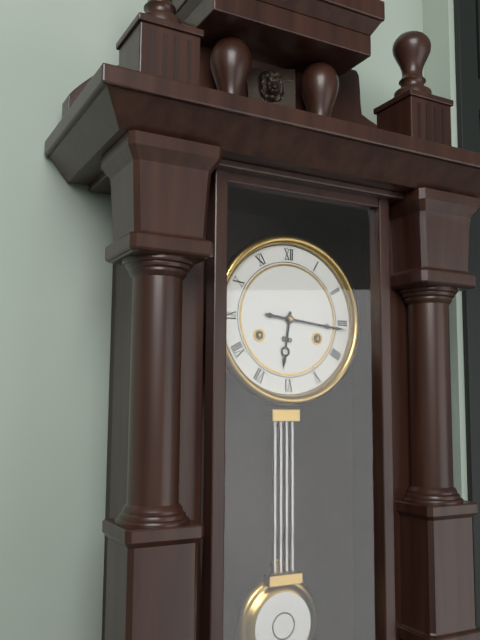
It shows 6.16
